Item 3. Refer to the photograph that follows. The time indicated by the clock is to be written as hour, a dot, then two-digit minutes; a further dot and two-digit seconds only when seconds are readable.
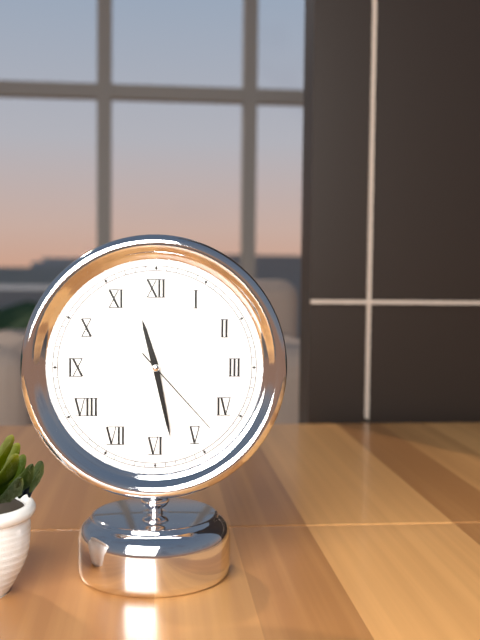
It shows 11.28.23
